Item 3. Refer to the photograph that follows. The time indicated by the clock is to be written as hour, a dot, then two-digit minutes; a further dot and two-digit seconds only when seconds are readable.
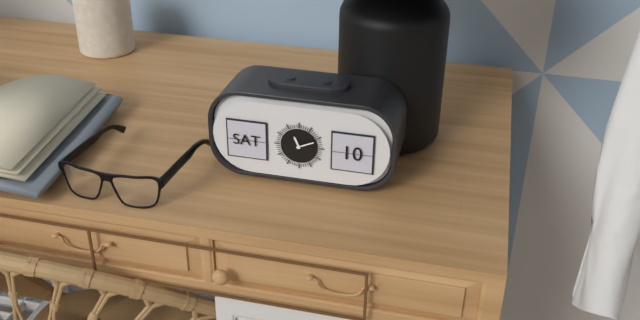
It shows 11.11
